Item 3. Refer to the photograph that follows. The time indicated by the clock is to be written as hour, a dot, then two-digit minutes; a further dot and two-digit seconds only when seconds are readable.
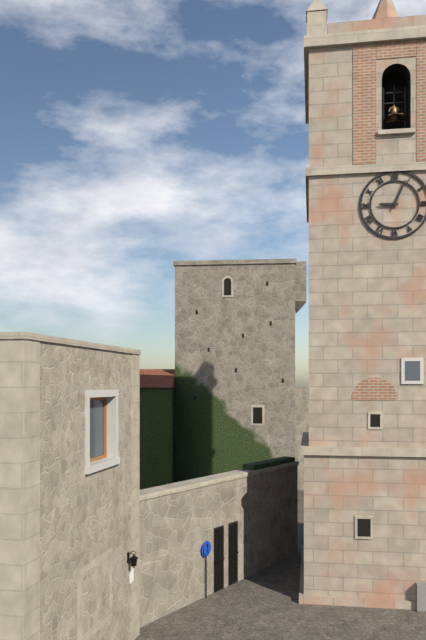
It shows 9.04
